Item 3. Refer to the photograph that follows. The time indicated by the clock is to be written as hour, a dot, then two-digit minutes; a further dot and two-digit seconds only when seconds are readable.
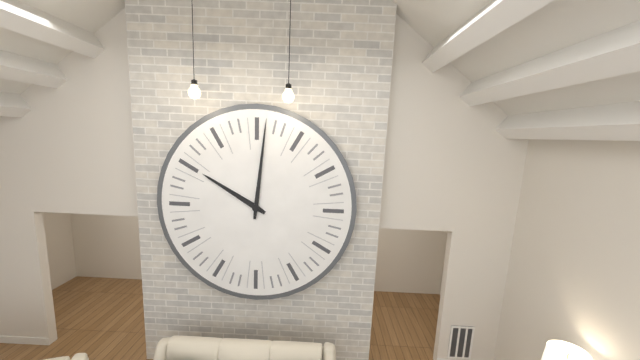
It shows 10.01
